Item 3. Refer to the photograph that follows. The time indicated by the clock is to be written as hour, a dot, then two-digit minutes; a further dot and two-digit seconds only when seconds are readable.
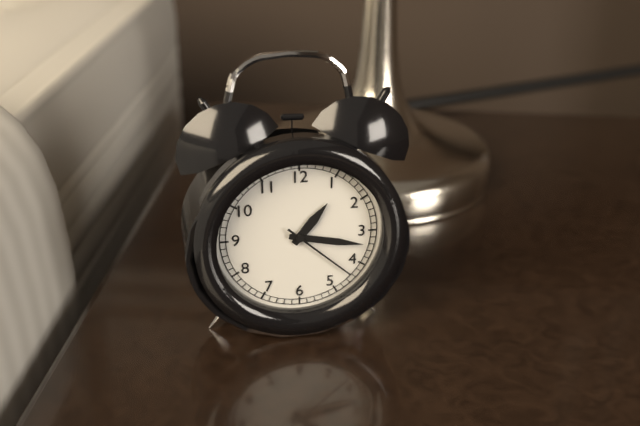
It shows 1.17.22
